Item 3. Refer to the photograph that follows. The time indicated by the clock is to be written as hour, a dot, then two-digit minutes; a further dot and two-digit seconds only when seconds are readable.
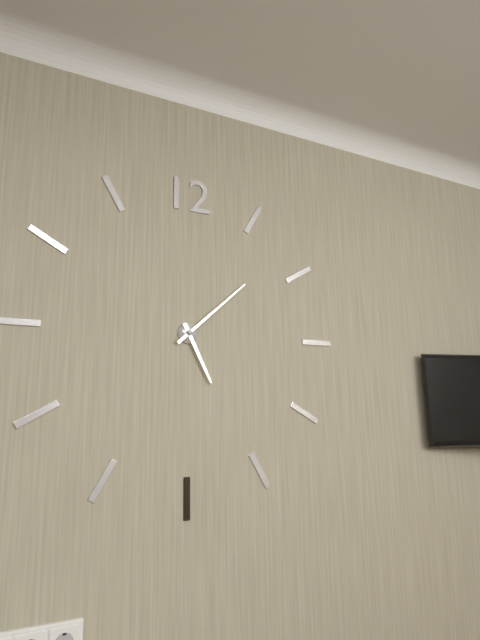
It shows 5.08
